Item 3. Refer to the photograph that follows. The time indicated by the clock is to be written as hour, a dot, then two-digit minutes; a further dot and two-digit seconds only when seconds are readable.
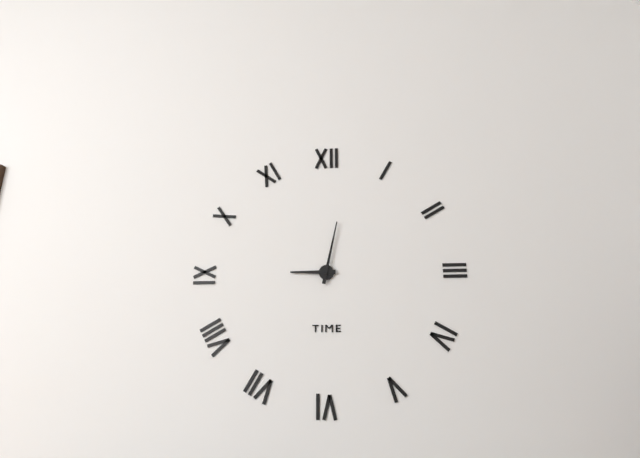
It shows 9.02
